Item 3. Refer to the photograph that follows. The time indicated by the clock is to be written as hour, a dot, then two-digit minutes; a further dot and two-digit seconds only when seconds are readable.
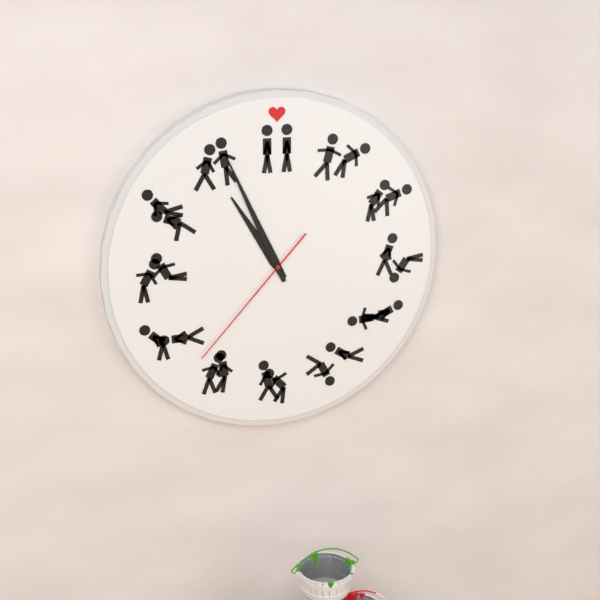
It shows 10.56.37
